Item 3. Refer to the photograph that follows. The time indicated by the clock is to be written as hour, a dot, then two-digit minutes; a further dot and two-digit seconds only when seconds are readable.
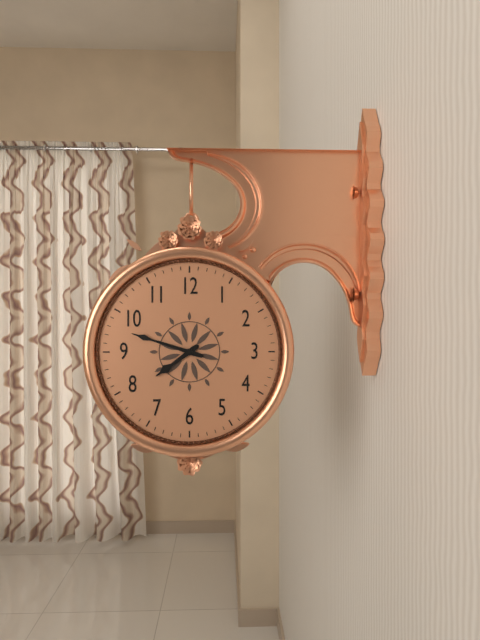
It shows 7.48
